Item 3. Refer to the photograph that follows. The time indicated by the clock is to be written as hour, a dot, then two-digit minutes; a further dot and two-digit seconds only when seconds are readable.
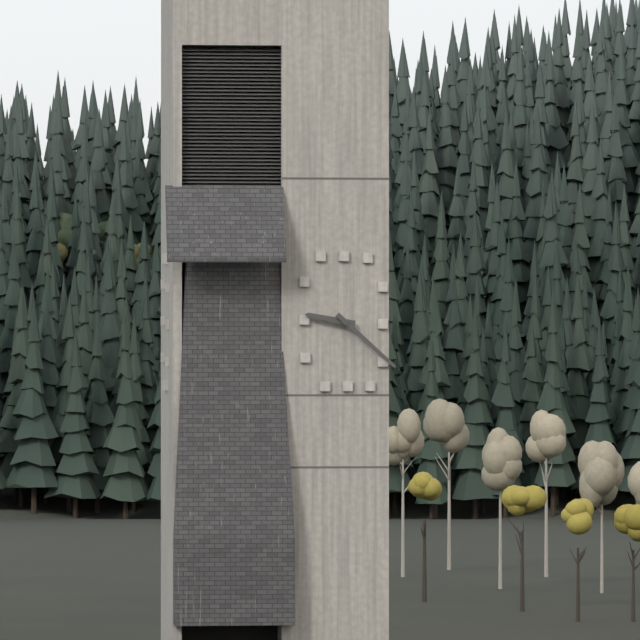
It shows 9.22
